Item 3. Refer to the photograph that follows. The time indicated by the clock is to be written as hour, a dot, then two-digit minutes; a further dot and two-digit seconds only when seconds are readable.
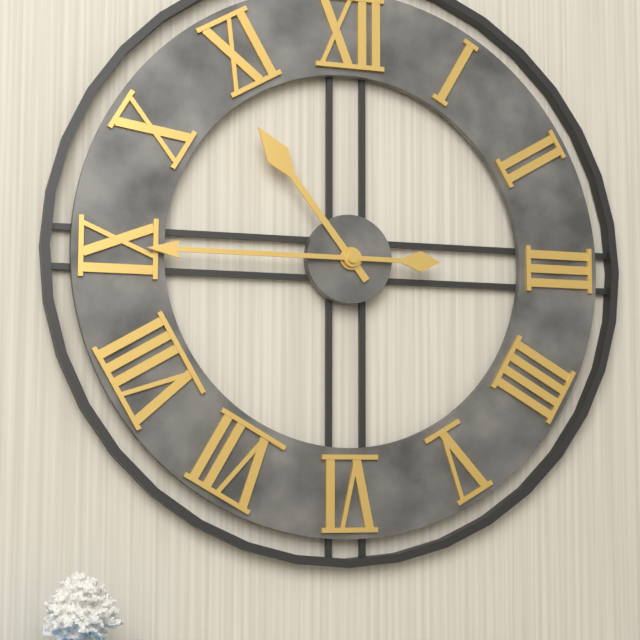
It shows 10.45
